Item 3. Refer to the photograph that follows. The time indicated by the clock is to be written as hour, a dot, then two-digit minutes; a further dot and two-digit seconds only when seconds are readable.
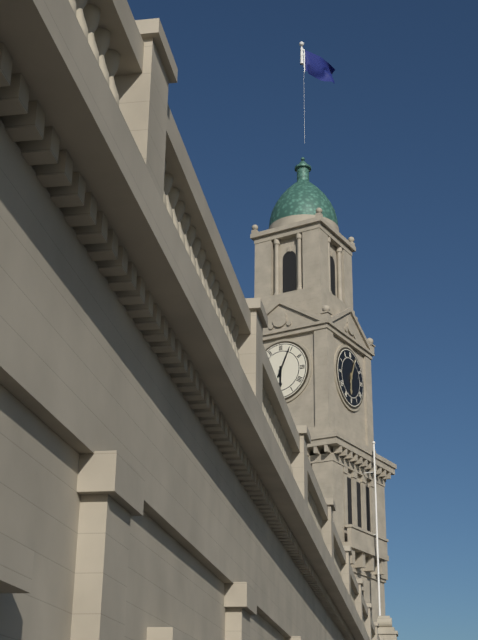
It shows 6.04
